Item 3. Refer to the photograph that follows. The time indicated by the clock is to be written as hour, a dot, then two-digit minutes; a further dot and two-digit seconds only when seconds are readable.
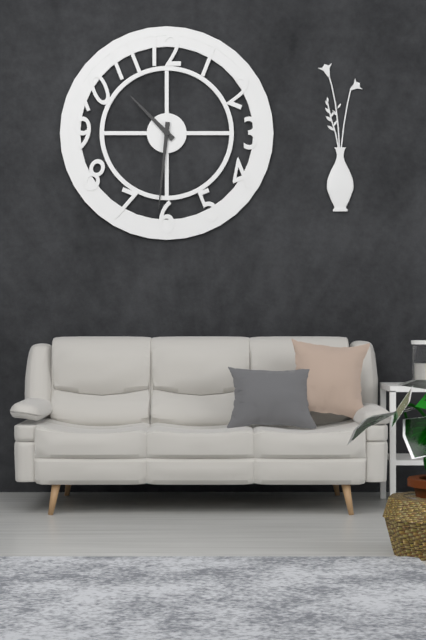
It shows 10.31
